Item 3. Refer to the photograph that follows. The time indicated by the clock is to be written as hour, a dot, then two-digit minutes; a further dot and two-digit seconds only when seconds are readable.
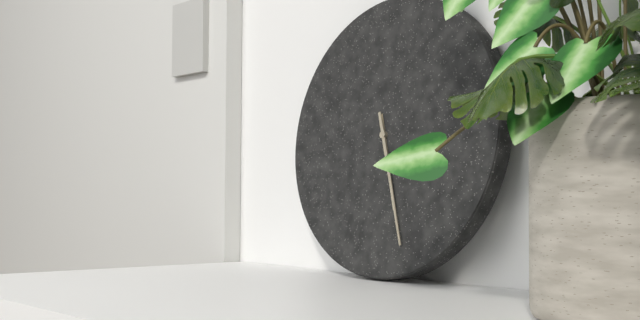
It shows 5.27
